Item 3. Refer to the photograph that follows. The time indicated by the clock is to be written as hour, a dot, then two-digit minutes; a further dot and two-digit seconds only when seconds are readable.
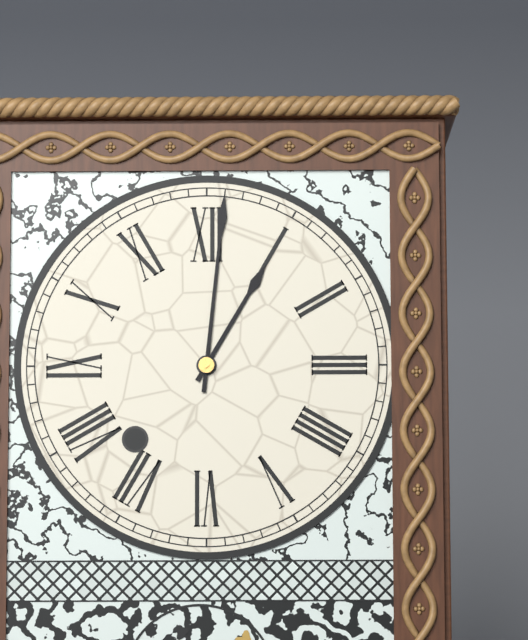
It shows 1.01
